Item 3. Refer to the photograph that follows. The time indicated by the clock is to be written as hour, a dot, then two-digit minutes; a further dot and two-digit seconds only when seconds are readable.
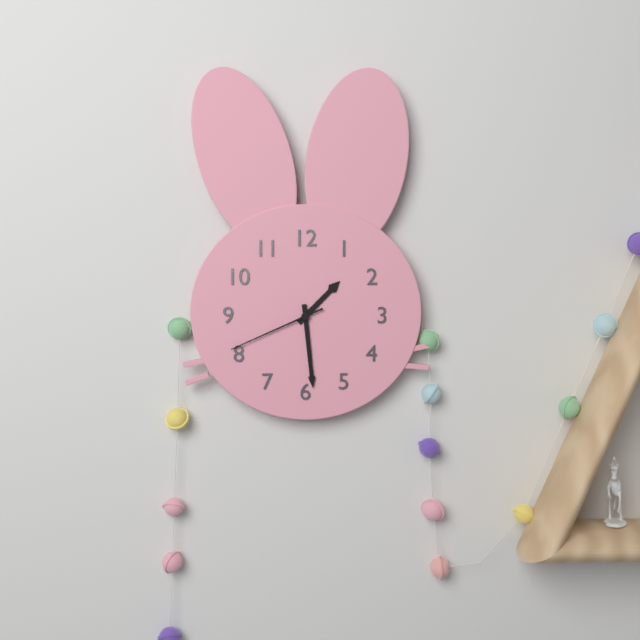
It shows 1.29.41
